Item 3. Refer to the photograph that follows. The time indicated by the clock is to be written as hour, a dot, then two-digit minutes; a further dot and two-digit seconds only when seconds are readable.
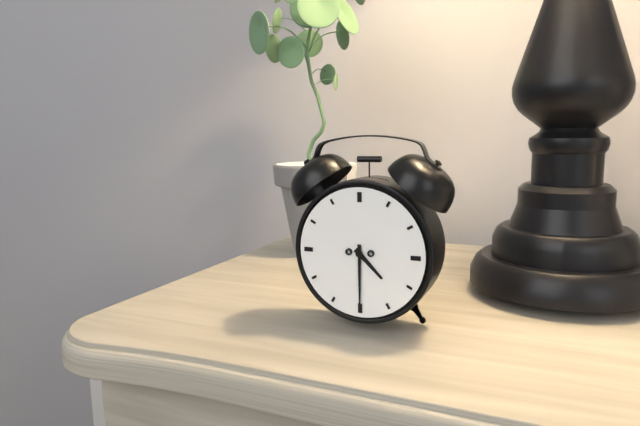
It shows 4.30
